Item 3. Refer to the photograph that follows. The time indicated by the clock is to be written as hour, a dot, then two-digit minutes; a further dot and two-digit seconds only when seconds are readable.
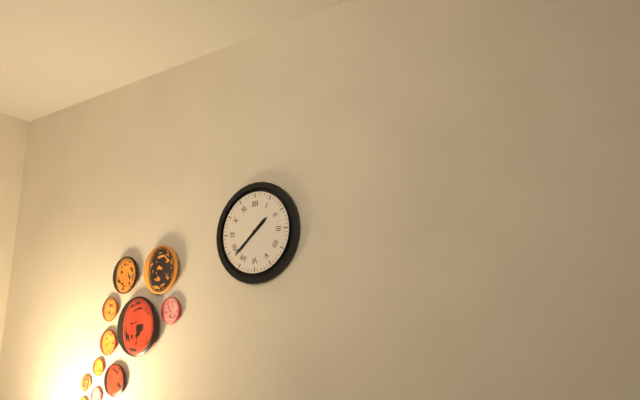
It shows 1.38
